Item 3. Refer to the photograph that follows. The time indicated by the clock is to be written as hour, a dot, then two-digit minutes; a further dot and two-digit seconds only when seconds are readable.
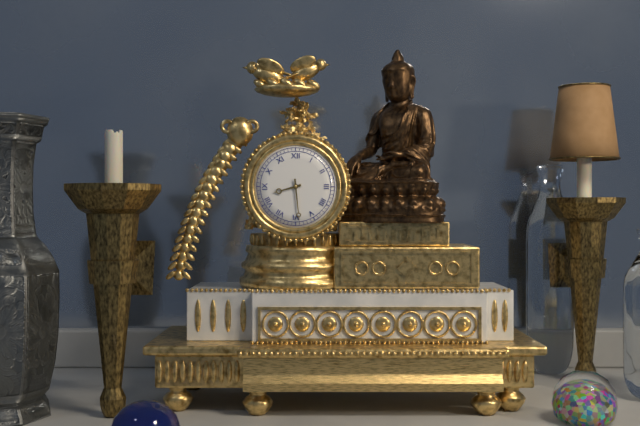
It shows 8.29
